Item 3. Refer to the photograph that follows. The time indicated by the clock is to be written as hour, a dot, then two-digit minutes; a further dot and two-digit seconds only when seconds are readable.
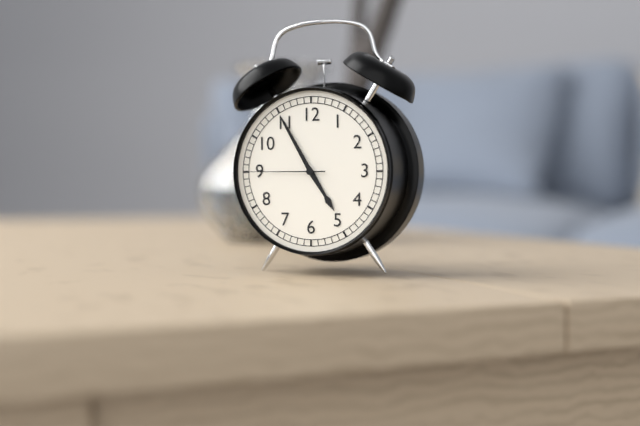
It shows 4.55.45
